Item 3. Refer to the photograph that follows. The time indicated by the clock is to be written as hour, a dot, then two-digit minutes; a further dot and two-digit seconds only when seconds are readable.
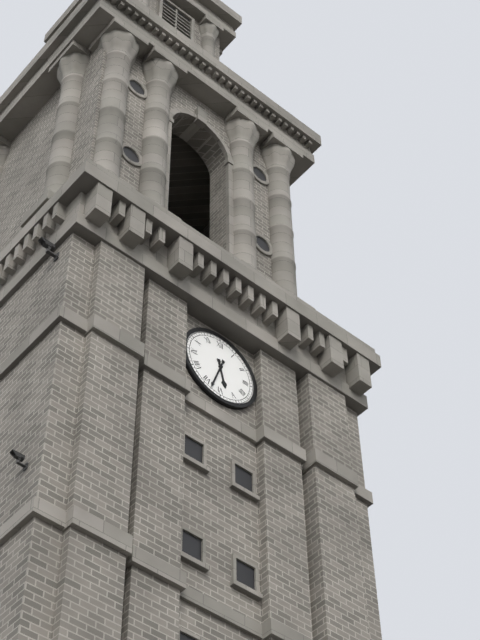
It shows 5.33
